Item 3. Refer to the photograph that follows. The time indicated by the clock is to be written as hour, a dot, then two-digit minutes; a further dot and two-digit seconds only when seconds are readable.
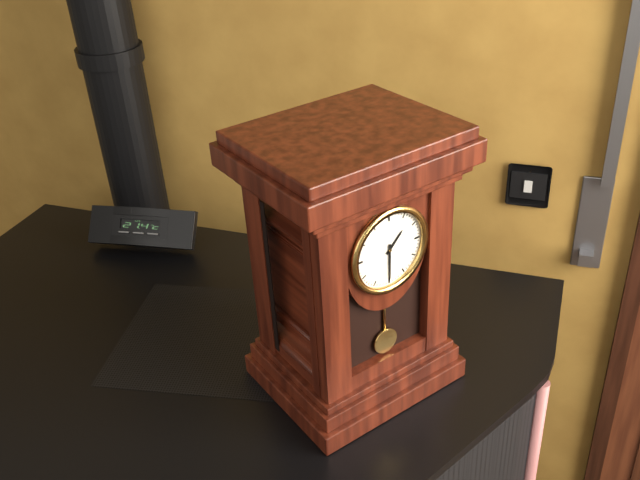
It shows 1.30
